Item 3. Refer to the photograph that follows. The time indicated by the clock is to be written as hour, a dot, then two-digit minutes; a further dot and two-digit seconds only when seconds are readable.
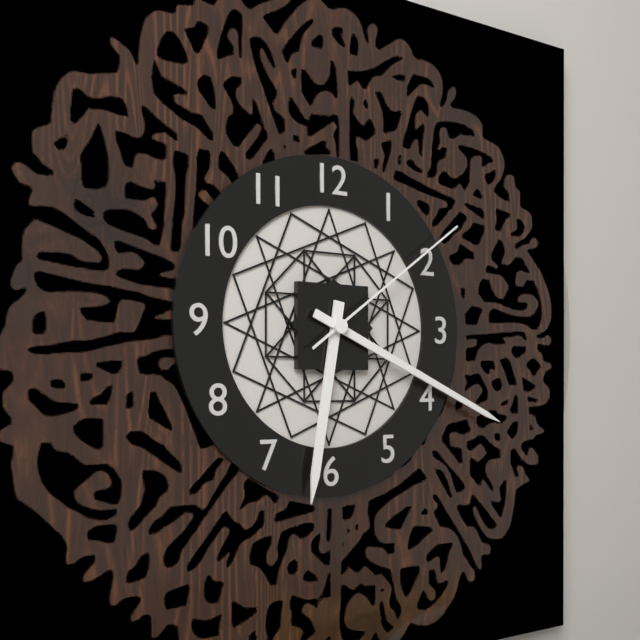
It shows 6.19.09
